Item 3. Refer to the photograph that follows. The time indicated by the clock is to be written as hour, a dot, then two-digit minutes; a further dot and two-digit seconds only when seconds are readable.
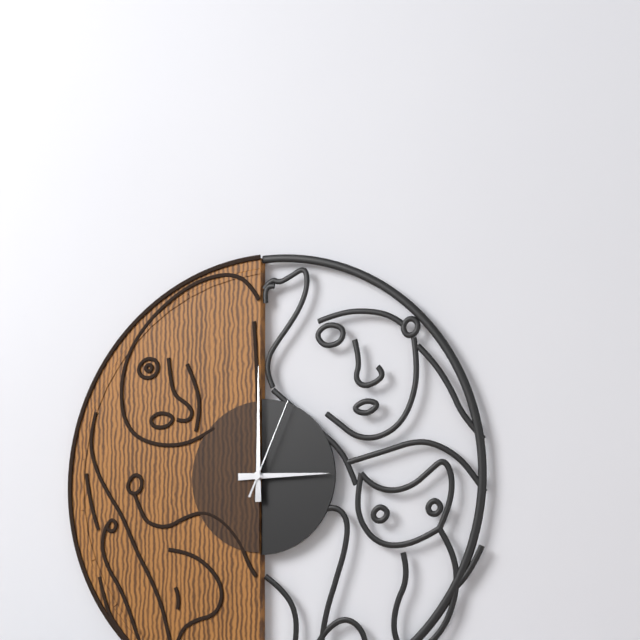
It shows 3.00.04
